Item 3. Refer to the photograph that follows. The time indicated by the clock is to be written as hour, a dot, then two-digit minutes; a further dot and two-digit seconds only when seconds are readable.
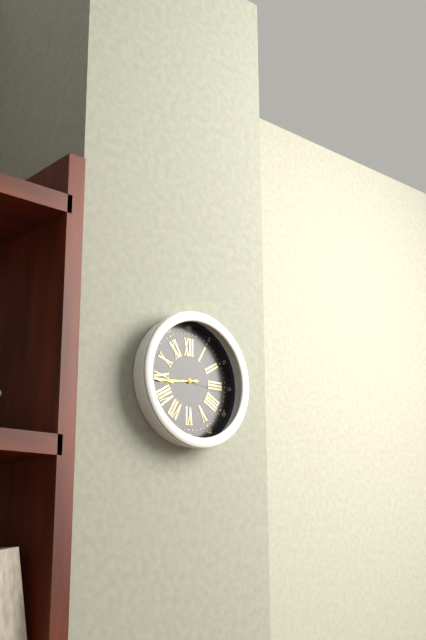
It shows 8.44
